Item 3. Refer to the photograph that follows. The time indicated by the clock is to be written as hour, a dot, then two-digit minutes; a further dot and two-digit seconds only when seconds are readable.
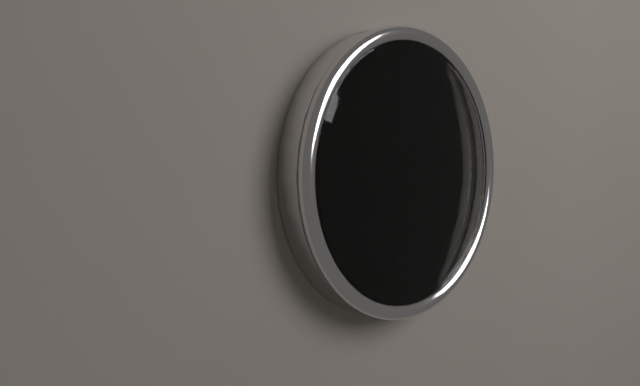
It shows 5.24
